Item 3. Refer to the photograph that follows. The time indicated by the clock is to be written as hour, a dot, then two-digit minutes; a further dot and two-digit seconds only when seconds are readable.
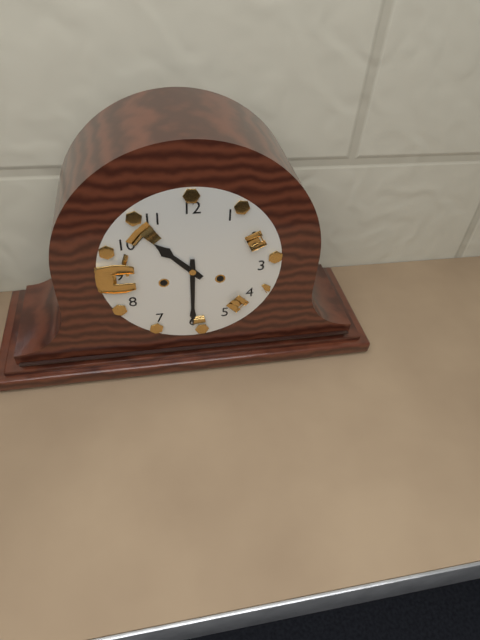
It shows 10.30
